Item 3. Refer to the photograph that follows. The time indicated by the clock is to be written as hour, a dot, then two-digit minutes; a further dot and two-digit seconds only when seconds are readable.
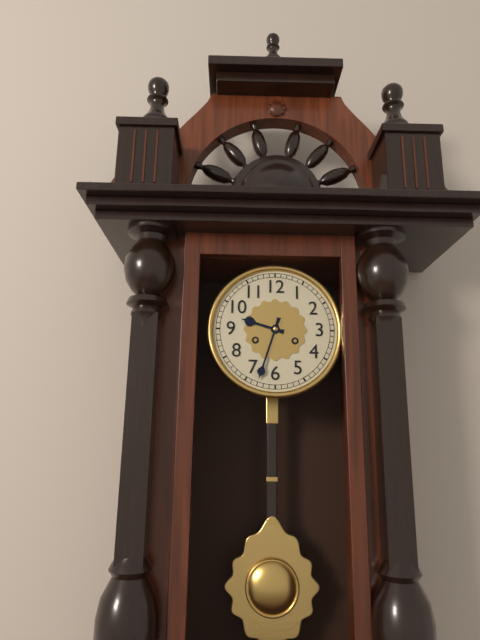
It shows 9.33
